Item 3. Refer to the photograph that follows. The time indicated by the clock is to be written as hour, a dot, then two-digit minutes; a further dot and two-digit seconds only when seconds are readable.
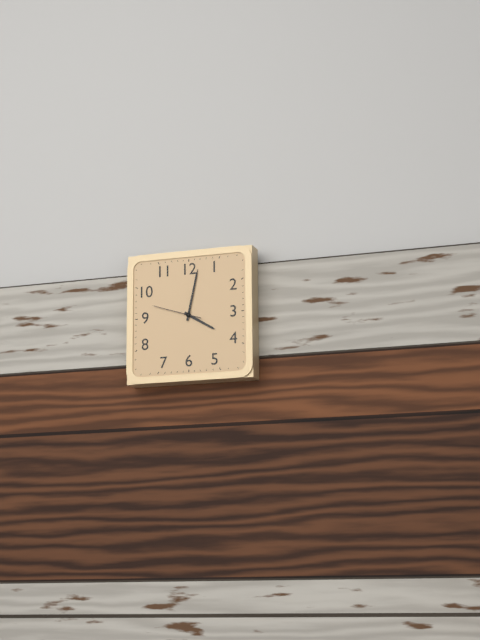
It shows 4.02
